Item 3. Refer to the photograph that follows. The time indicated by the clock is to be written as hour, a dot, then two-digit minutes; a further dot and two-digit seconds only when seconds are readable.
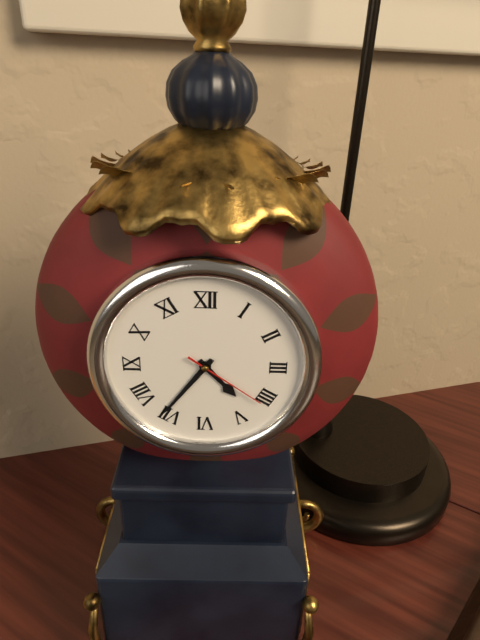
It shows 4.36.21
